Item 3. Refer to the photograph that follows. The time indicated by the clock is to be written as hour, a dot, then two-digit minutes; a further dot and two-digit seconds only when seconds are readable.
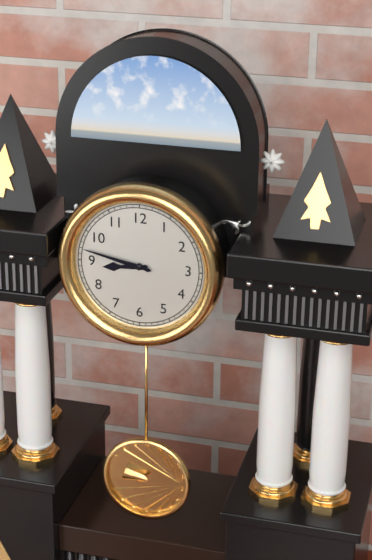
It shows 8.47
